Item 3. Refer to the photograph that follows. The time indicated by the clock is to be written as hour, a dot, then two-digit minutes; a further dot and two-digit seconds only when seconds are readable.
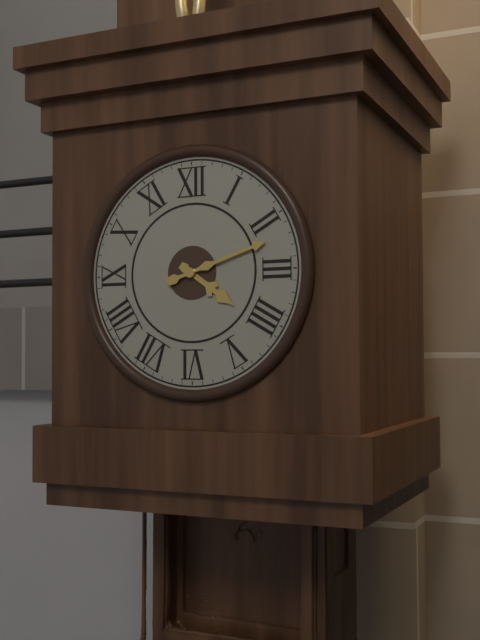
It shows 4.12
